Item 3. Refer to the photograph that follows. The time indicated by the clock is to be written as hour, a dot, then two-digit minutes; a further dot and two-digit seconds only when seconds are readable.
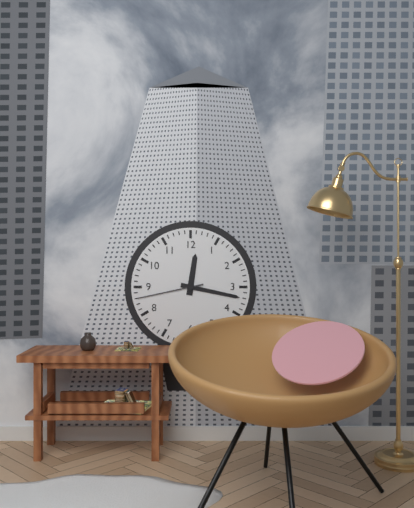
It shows 12.17.43
